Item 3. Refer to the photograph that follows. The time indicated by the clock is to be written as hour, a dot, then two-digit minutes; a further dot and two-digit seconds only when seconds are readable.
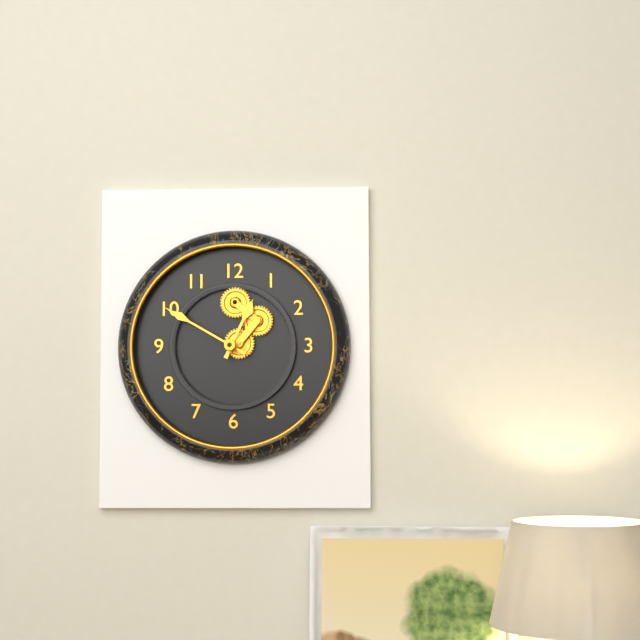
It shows 12.50
